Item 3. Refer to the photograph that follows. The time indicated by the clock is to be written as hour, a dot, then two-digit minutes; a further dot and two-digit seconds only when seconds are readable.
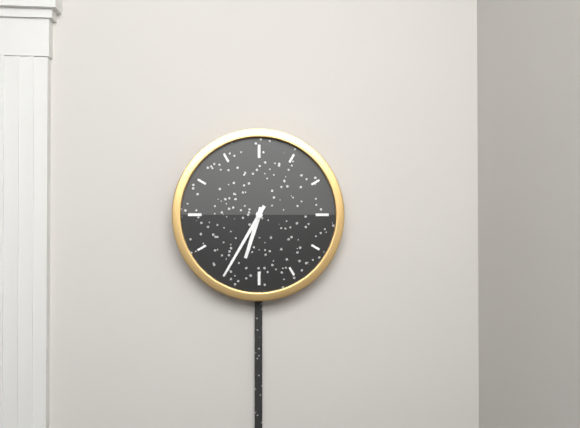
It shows 6.35
